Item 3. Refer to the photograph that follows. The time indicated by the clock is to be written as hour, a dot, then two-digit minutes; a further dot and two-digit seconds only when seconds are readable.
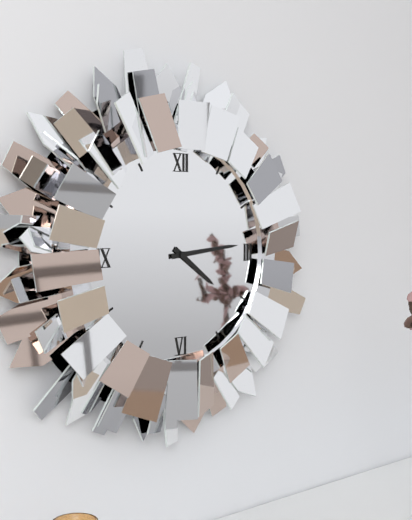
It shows 4.14
